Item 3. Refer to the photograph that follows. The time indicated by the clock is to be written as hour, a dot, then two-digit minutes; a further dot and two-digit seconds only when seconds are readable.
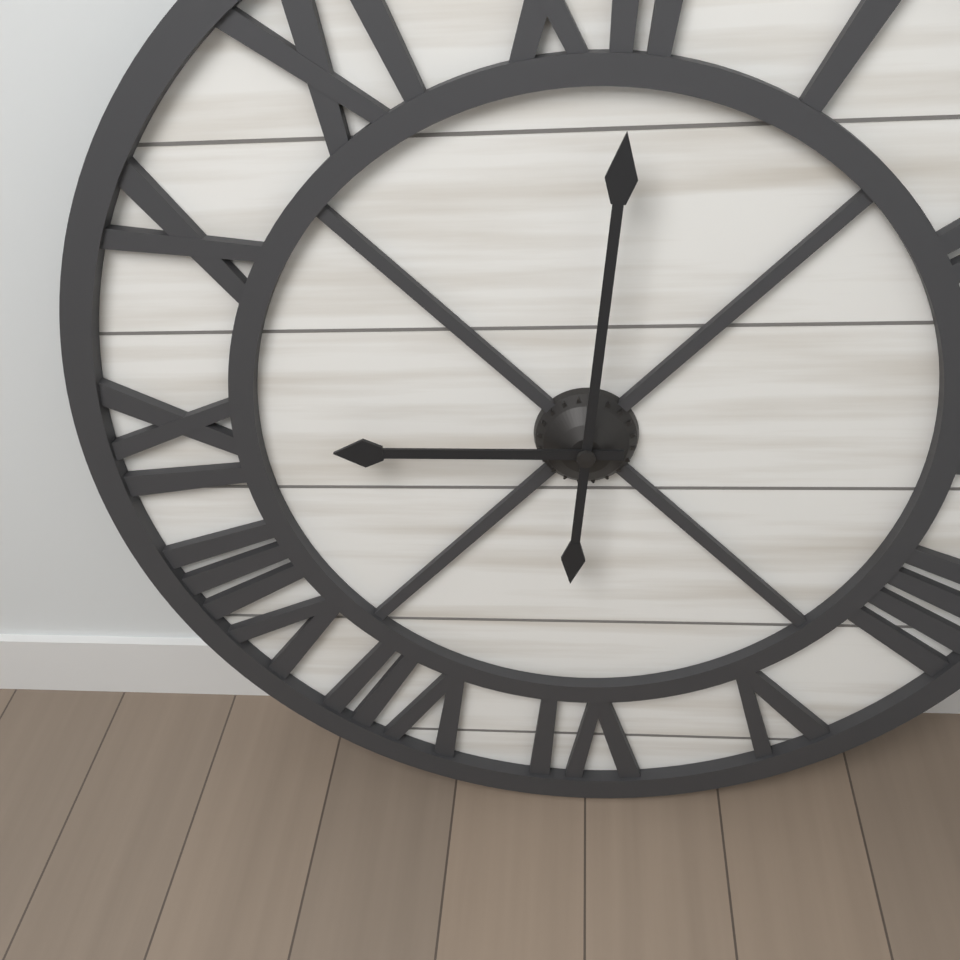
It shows 9.01
